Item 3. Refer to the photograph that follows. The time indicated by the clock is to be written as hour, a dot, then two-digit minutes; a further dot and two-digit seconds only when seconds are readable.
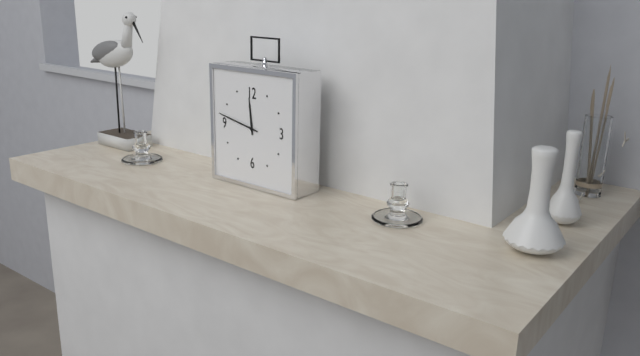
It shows 11.47
